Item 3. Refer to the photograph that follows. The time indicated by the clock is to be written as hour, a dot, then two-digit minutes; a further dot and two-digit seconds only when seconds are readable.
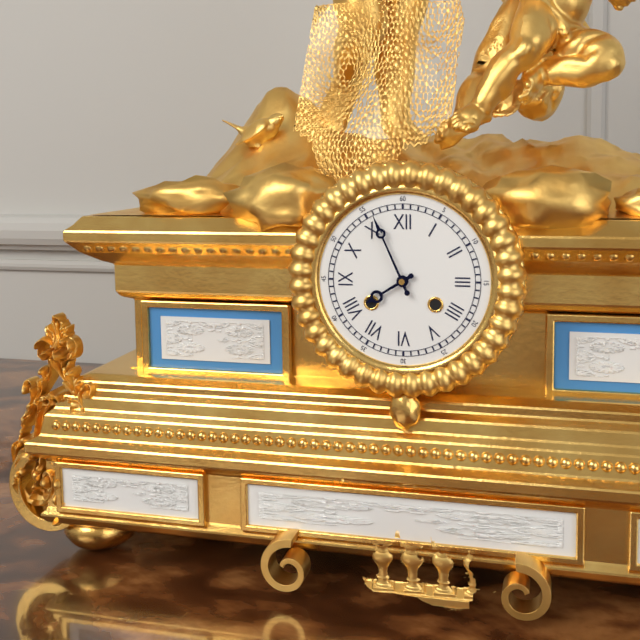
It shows 7.56
